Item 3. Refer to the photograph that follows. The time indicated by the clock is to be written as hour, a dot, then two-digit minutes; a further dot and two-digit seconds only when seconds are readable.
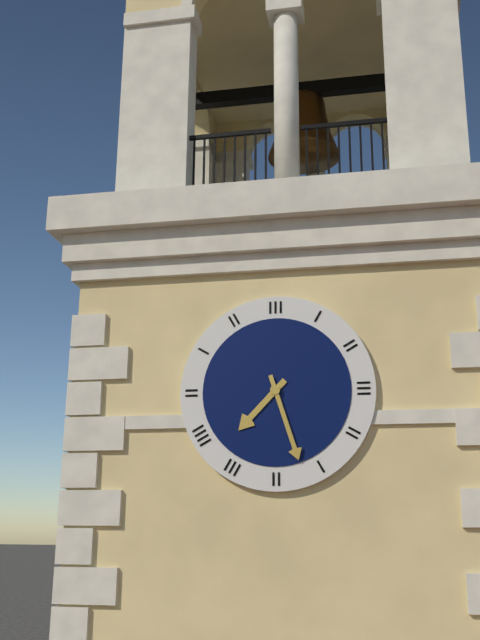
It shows 7.27
